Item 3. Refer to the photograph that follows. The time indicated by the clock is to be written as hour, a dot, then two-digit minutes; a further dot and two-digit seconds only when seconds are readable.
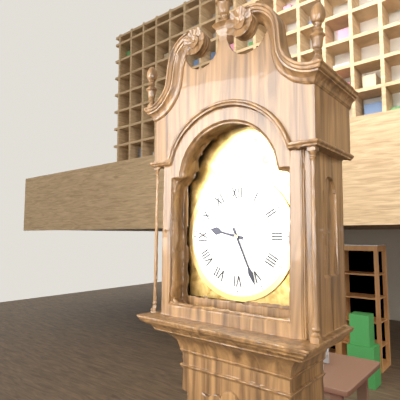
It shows 9.26
